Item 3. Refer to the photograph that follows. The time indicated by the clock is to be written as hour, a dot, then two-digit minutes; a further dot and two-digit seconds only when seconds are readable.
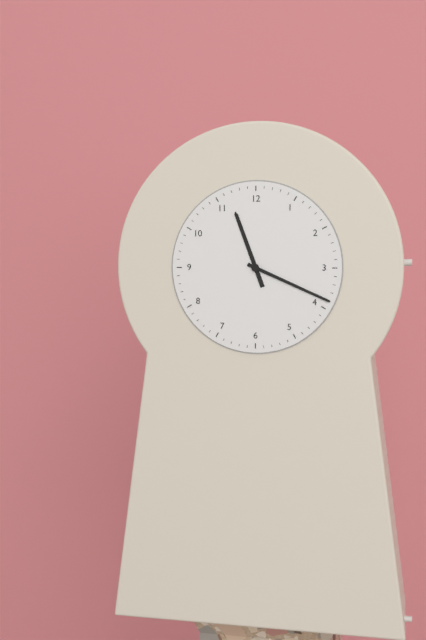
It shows 11.19
